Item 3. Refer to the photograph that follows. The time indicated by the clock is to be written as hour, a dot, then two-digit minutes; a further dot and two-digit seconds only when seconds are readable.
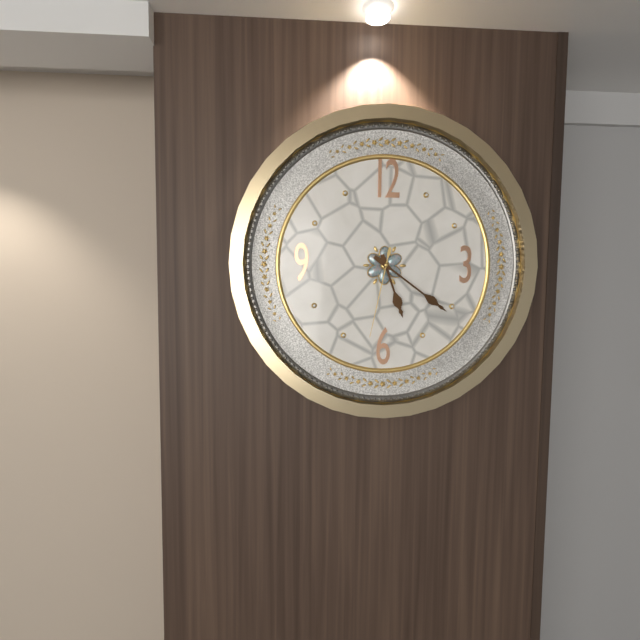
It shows 5.21.32
